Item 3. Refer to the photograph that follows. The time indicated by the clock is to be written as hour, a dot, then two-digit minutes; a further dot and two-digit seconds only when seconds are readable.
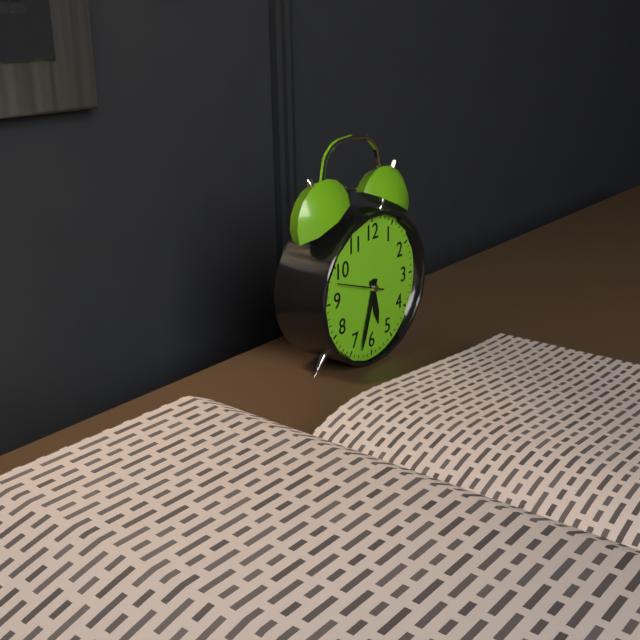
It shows 5.33
